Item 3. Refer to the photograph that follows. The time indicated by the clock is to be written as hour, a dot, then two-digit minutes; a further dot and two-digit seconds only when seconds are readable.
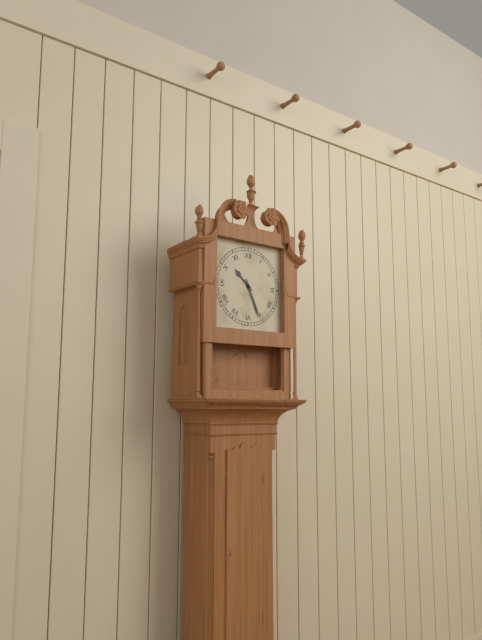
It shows 10.26
